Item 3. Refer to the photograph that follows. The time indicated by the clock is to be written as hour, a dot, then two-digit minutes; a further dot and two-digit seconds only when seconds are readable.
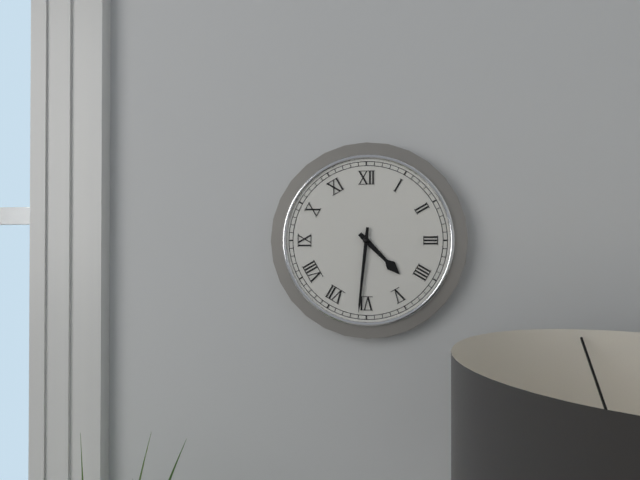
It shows 4.31
